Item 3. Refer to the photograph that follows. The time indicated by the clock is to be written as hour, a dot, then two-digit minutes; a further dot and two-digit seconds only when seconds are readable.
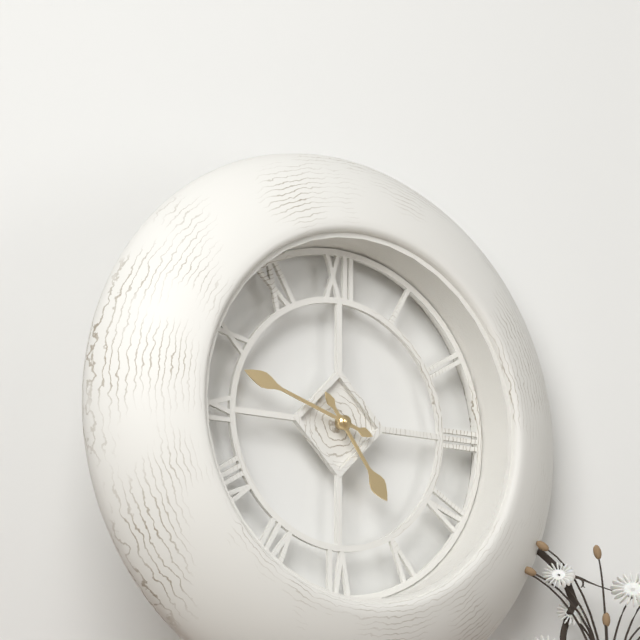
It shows 4.48
